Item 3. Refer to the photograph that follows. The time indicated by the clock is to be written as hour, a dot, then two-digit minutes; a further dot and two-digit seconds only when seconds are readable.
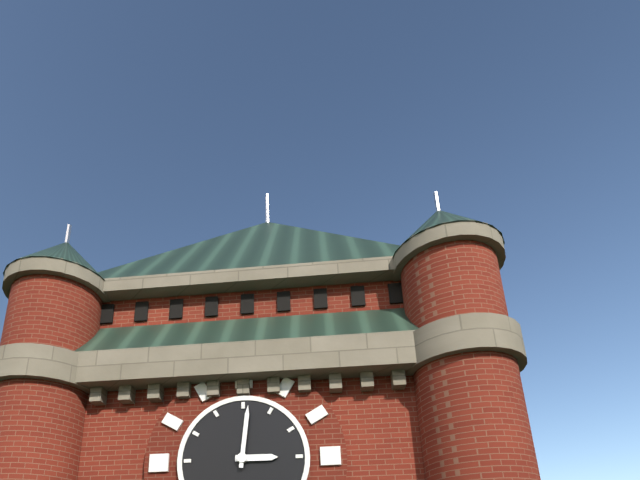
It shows 3.01
